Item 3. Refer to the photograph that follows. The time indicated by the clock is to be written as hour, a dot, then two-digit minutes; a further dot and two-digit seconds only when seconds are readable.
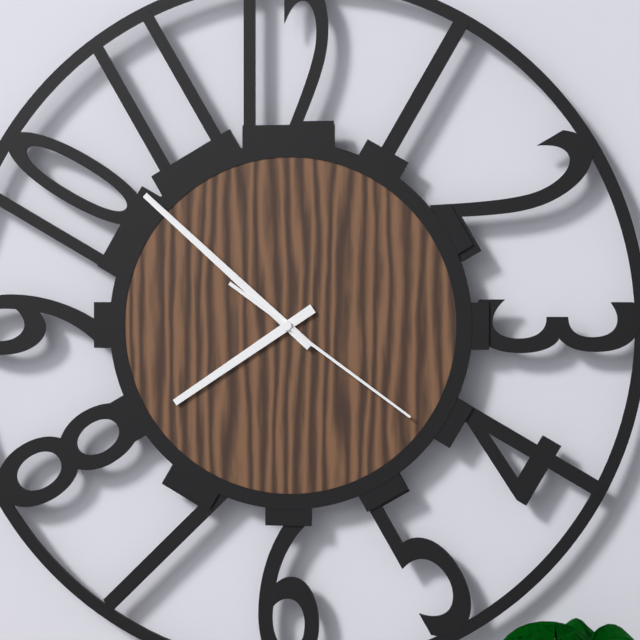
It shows 7.52.21
